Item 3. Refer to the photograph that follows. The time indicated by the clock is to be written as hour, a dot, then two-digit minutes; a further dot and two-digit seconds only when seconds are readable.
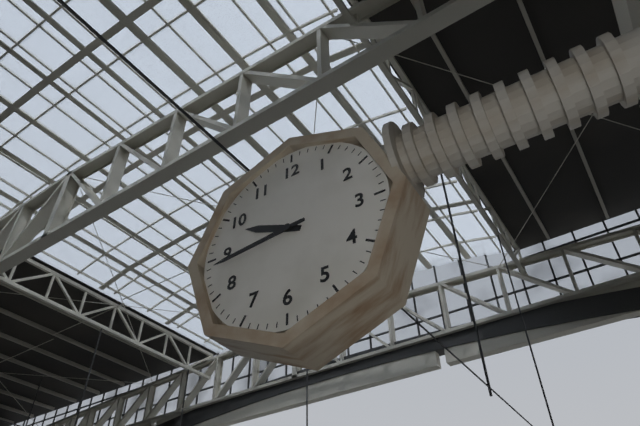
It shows 9.44
